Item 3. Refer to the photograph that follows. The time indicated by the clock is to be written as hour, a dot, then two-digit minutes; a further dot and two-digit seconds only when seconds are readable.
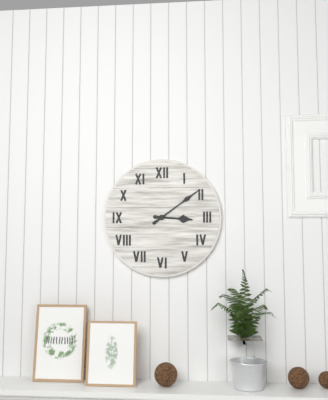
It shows 3.09
